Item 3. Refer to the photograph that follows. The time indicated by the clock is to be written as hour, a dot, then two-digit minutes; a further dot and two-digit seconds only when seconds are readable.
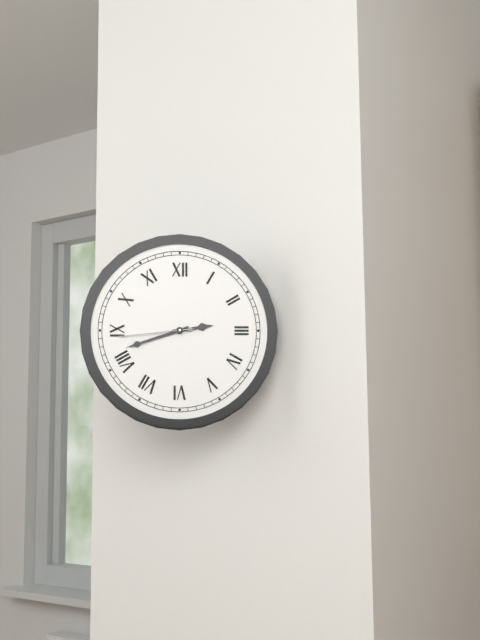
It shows 2.42.44
